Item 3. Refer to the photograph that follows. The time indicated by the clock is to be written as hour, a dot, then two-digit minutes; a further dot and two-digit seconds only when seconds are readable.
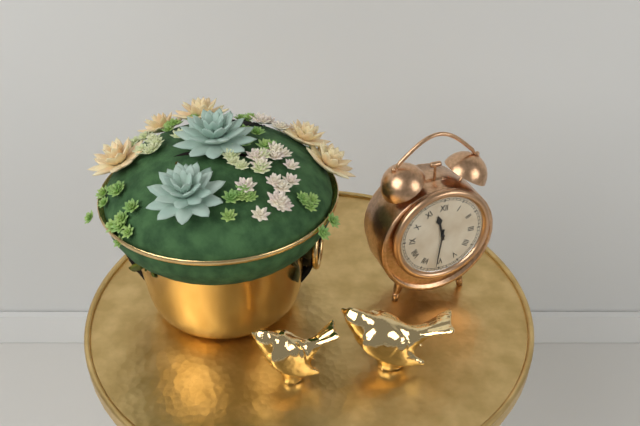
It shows 11.31
